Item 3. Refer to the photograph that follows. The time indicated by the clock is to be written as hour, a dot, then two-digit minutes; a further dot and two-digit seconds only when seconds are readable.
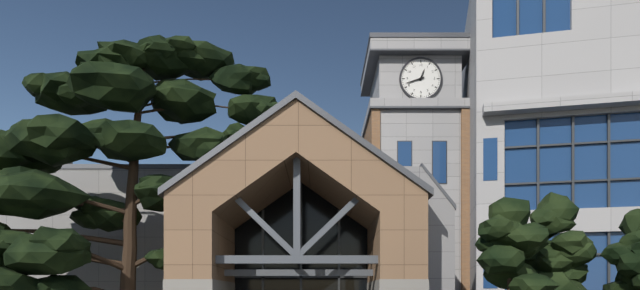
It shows 12.42
